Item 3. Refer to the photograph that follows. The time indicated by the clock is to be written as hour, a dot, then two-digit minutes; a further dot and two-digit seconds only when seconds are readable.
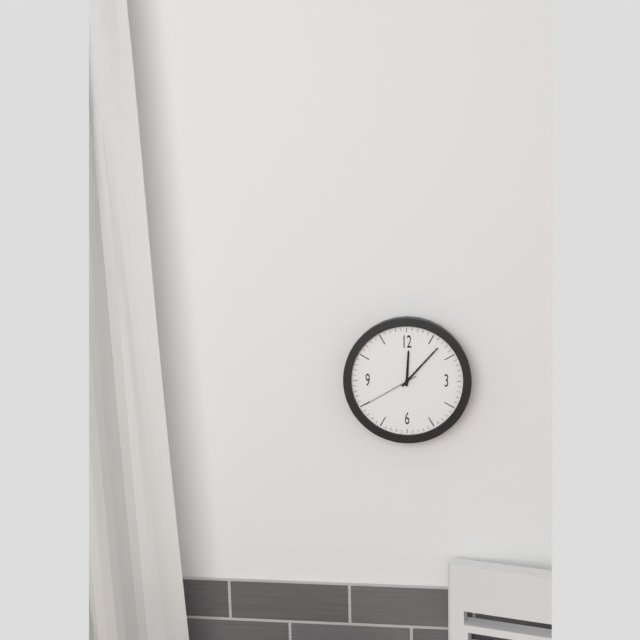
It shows 12.07.40
